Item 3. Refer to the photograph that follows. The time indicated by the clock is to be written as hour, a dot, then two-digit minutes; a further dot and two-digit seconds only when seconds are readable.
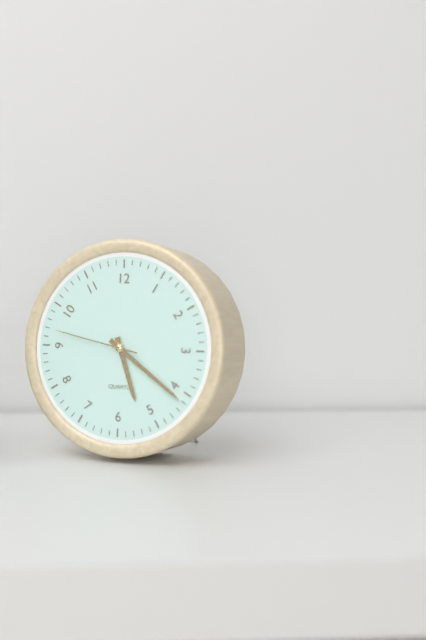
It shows 5.21.47
